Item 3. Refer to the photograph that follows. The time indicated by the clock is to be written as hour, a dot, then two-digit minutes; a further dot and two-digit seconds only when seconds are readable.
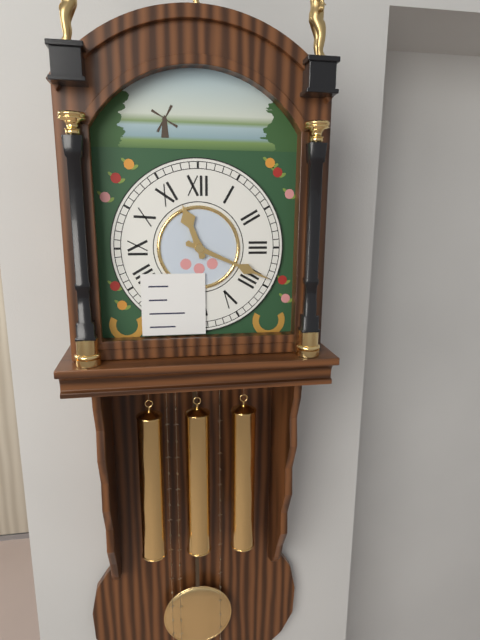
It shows 11.19
